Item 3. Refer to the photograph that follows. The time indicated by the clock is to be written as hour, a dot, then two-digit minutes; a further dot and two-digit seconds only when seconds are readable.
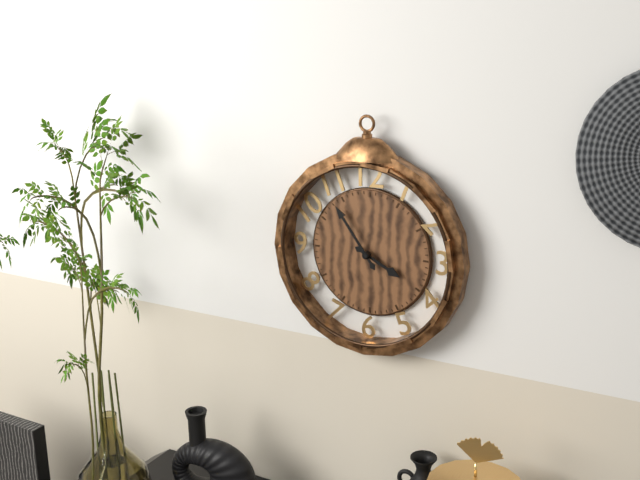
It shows 3.54
